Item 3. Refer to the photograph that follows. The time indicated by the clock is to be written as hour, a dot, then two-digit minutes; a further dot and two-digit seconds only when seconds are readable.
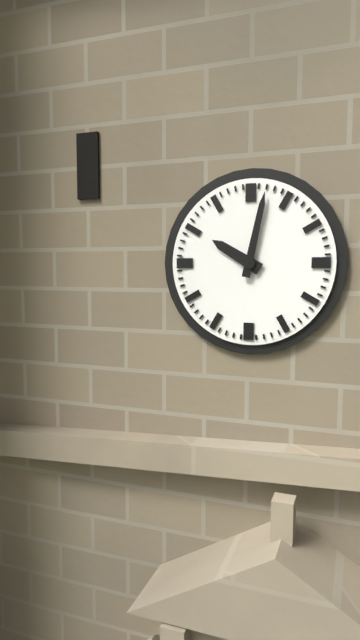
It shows 10.02
